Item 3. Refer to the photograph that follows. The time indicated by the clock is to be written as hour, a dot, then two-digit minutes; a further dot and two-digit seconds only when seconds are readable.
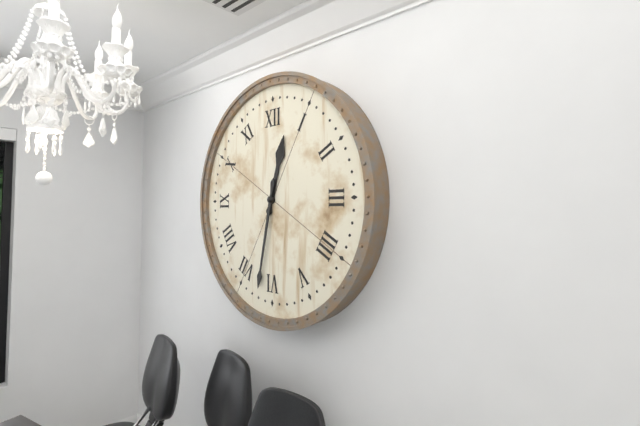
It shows 12.32
